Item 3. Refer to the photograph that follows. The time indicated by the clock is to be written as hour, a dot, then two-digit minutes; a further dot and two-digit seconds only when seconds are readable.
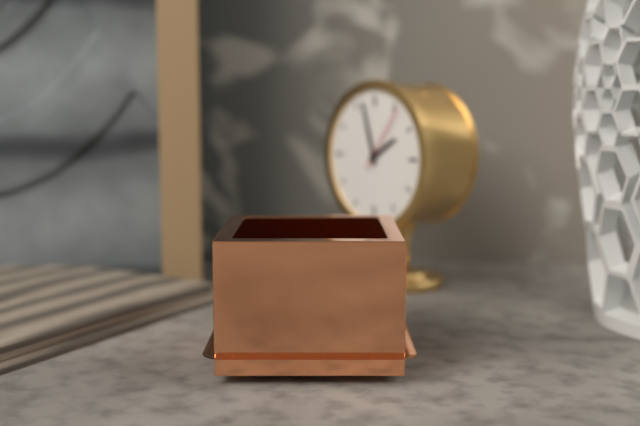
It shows 1.57.06
